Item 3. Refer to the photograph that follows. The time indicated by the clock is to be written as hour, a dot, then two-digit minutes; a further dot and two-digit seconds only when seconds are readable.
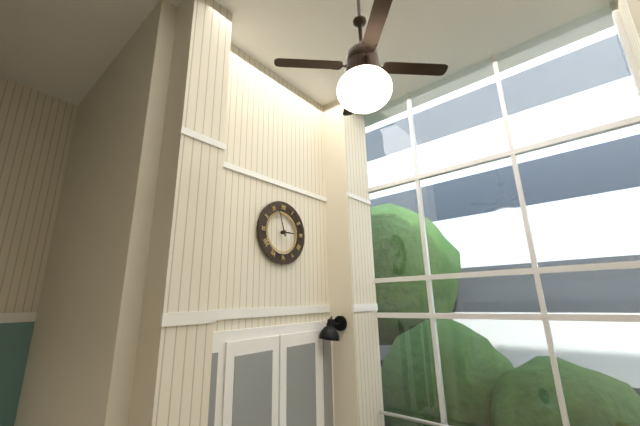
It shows 2.57
